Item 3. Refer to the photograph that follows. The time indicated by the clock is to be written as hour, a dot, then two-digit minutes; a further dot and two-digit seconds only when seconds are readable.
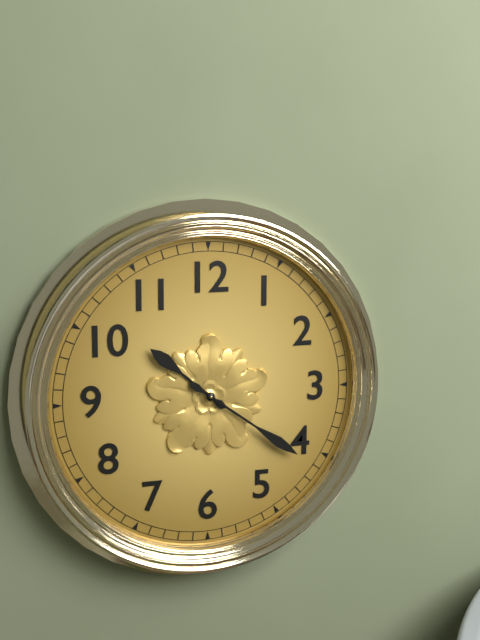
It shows 10.21
